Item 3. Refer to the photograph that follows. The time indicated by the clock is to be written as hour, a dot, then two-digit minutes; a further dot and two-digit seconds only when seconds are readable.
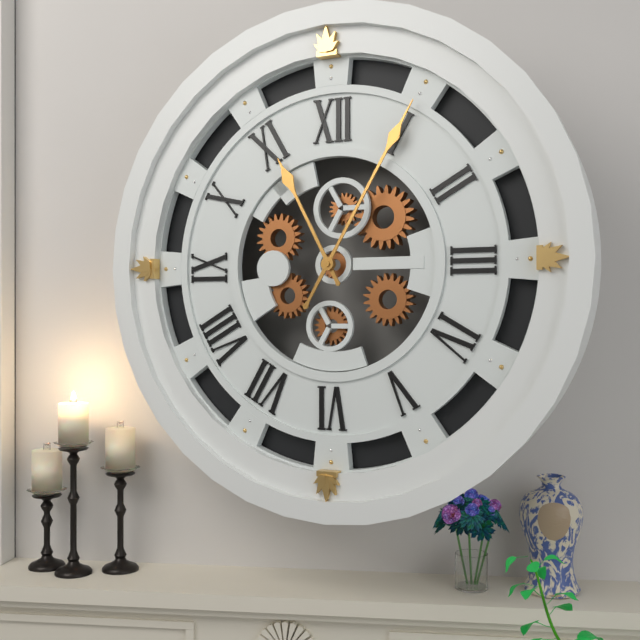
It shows 11.05
